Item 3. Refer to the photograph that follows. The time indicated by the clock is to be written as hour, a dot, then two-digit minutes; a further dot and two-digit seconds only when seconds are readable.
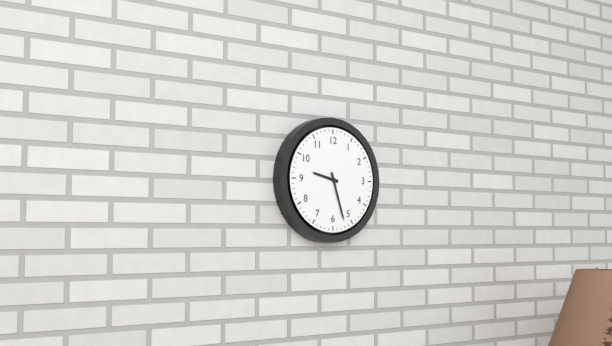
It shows 9.27
